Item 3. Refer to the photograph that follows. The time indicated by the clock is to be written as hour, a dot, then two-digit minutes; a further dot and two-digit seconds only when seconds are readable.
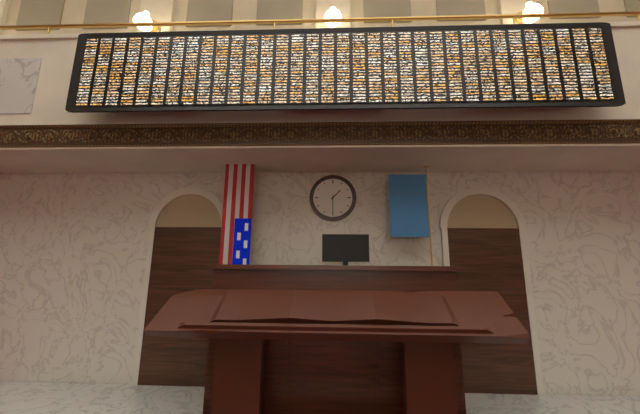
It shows 1.30
